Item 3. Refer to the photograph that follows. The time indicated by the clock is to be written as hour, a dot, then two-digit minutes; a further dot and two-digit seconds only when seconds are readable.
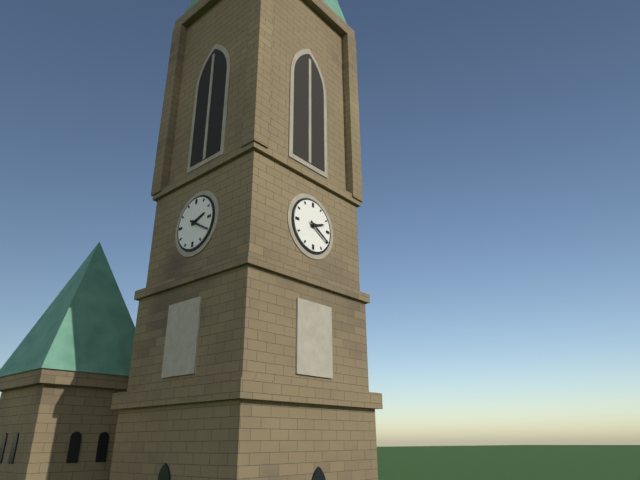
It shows 2.20
